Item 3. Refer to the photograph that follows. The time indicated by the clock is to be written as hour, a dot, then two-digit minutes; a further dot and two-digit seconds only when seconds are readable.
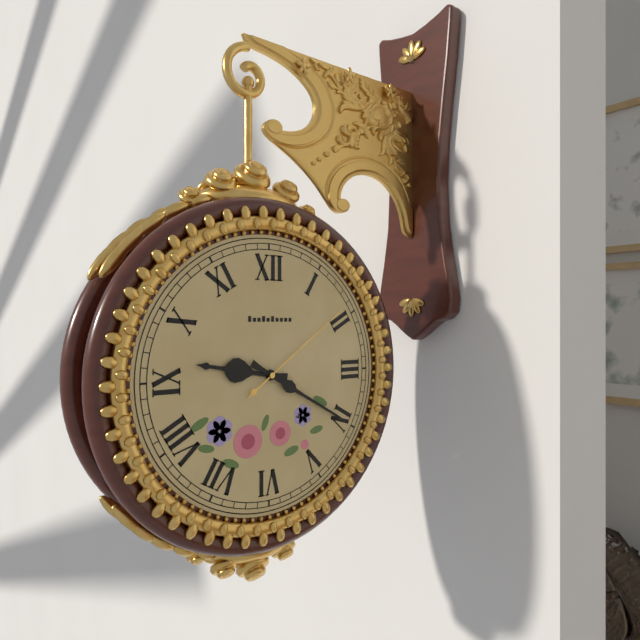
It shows 9.20.09
